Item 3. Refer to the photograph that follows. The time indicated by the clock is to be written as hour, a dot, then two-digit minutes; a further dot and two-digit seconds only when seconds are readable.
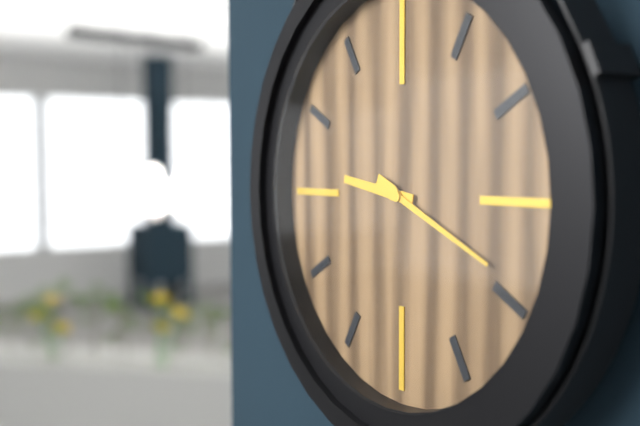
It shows 9.19
